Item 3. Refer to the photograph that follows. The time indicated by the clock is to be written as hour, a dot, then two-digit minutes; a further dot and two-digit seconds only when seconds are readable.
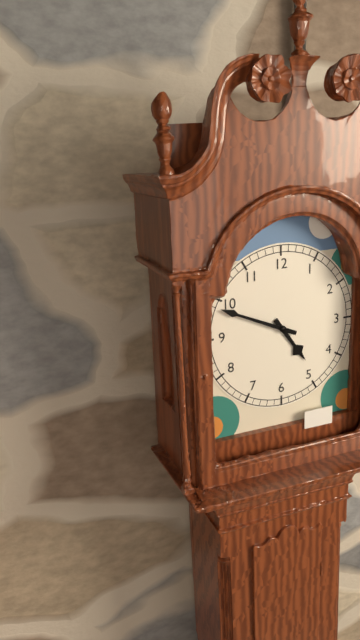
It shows 4.49
